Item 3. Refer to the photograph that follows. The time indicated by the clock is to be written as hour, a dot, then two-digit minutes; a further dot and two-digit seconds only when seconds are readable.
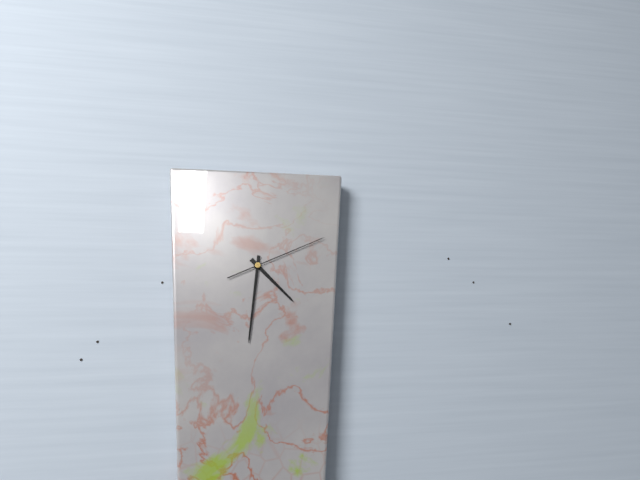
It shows 4.31.11
